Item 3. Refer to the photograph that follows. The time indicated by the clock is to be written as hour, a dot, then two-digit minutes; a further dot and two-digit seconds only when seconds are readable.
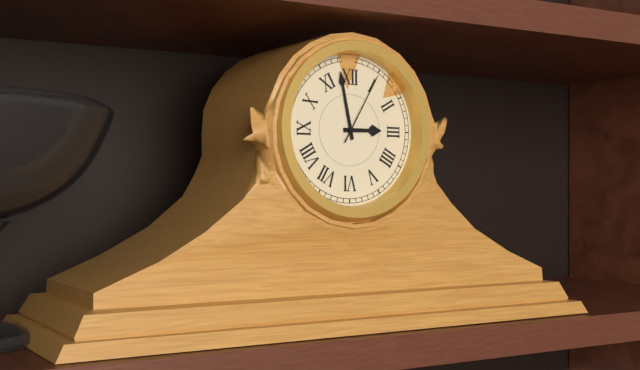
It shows 2.58.05
